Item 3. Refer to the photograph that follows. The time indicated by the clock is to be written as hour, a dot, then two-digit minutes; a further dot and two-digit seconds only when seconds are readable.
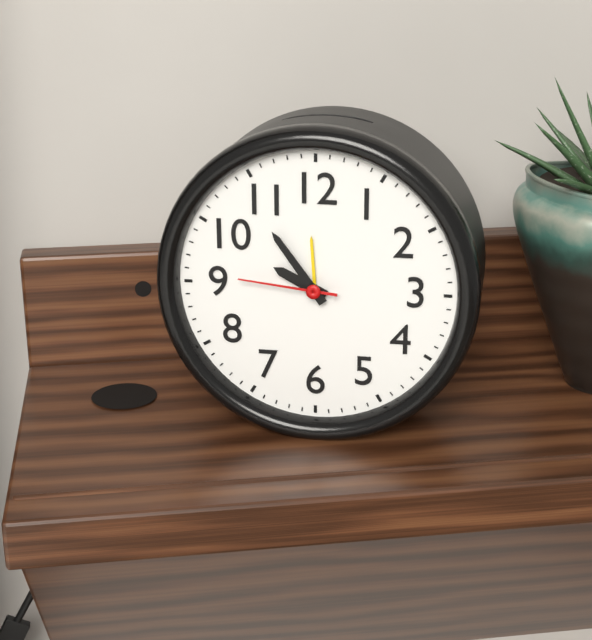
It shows 9.54.46
